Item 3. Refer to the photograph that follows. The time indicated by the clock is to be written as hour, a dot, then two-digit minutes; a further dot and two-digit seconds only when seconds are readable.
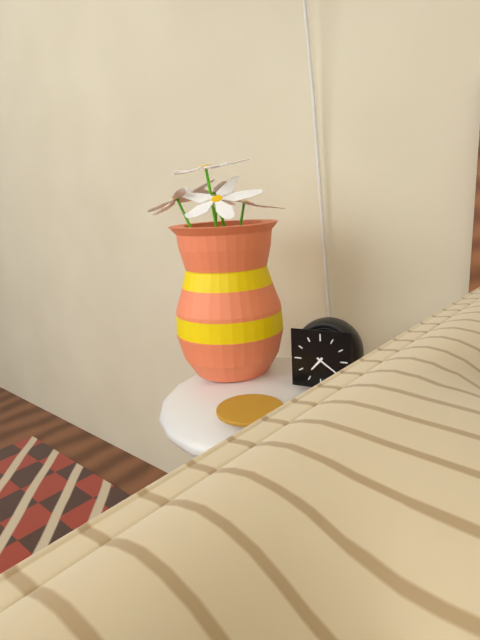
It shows 7.21
